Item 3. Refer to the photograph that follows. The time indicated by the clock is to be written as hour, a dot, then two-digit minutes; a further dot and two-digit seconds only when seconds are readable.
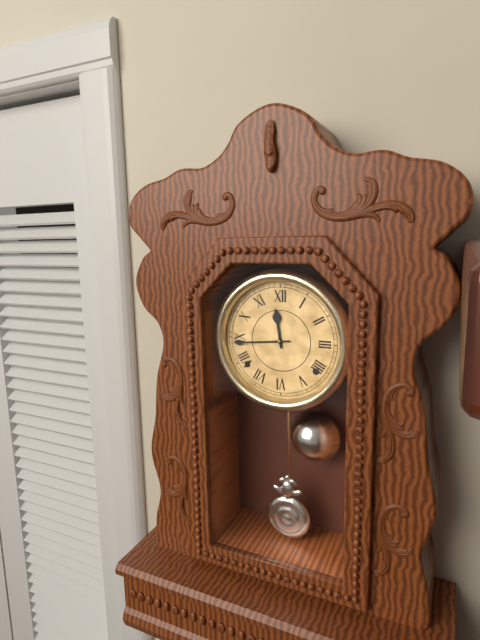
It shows 11.44
